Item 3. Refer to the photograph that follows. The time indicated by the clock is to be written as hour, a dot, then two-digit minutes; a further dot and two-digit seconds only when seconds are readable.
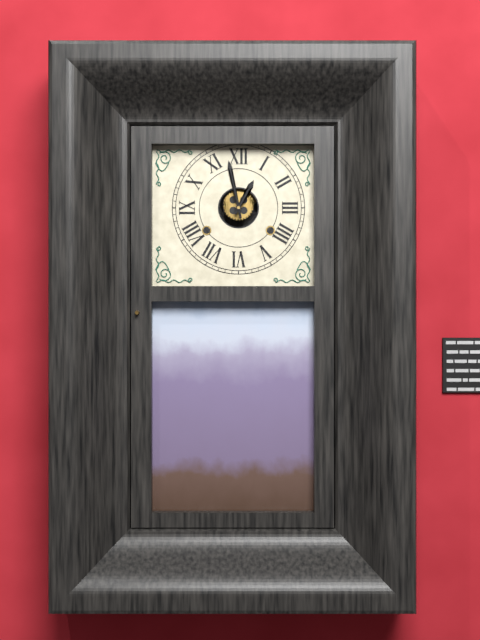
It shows 12.58
